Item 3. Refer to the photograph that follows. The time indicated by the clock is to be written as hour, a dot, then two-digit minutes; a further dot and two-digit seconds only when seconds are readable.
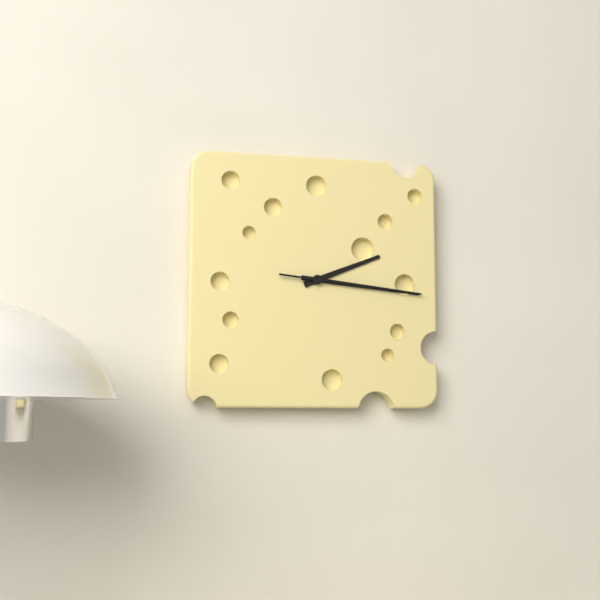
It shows 2.16.16
